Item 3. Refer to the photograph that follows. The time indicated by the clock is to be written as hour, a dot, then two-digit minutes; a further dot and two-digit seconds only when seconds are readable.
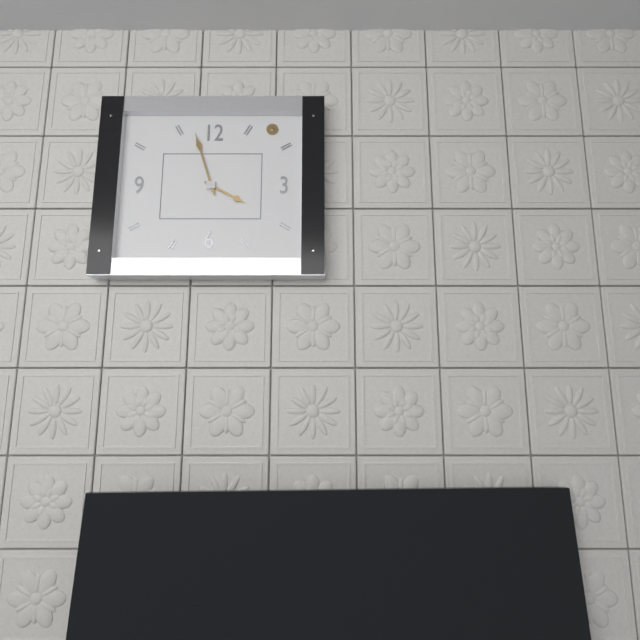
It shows 3.57
